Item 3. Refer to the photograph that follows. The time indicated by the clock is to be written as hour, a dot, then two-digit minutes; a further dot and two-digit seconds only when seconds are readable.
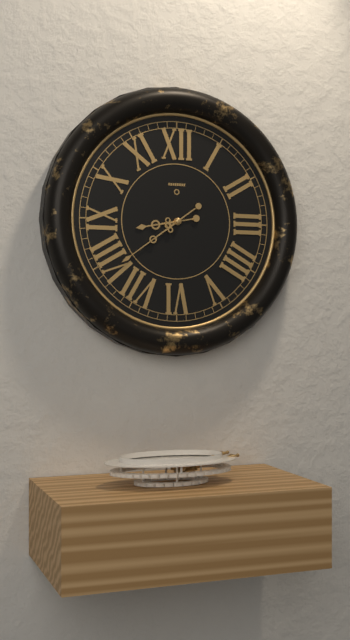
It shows 8.39
